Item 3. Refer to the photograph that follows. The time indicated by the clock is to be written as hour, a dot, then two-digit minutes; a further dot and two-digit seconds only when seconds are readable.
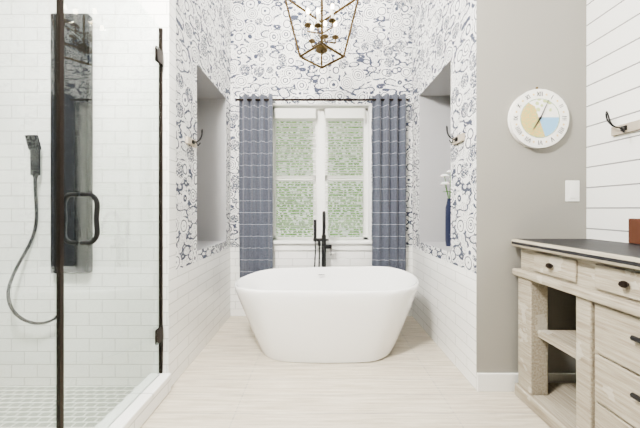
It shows 7.04
